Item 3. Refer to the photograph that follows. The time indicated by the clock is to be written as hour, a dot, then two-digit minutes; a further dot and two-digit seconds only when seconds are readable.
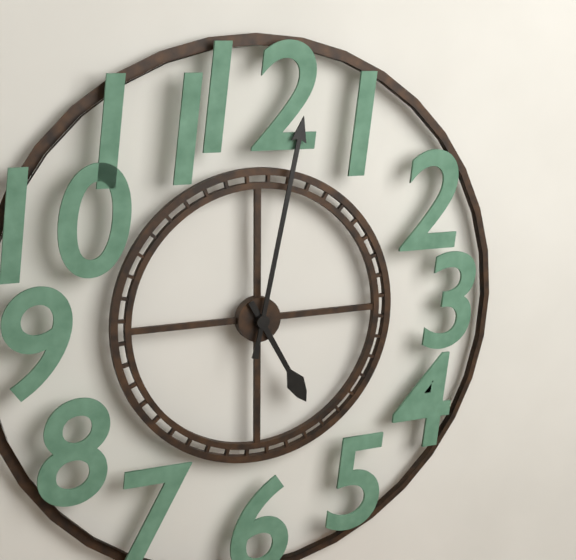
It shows 5.02
